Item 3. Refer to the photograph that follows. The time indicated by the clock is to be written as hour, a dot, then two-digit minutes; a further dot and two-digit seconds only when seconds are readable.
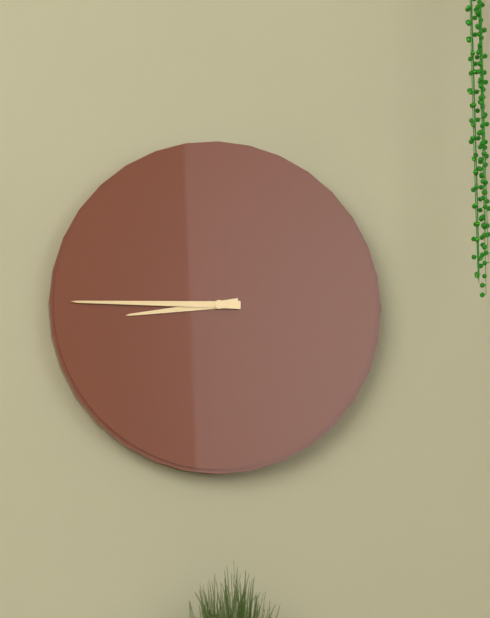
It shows 8.45
